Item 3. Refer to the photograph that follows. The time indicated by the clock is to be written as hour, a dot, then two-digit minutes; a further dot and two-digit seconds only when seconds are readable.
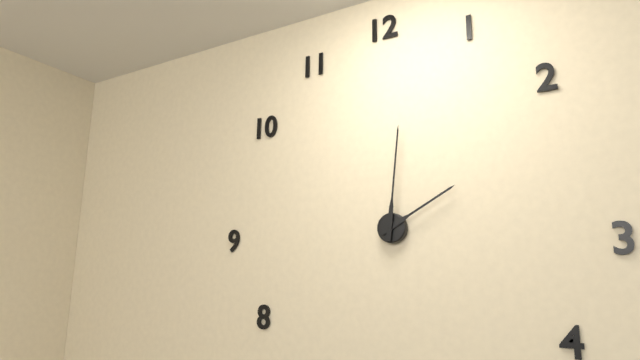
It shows 2.01
